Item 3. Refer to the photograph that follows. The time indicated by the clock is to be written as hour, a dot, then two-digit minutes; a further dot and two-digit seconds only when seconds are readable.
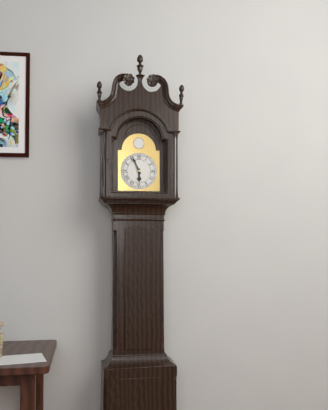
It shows 5.56
